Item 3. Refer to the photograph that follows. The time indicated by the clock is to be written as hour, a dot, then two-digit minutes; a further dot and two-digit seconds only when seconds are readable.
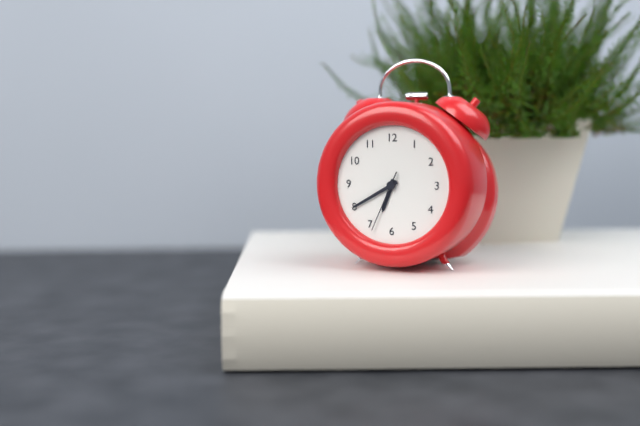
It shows 6.40.34
